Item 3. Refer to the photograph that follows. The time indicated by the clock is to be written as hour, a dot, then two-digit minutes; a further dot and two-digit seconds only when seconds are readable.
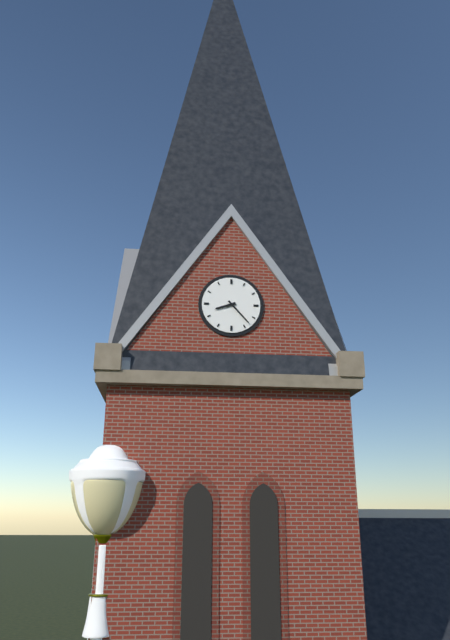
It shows 8.23
